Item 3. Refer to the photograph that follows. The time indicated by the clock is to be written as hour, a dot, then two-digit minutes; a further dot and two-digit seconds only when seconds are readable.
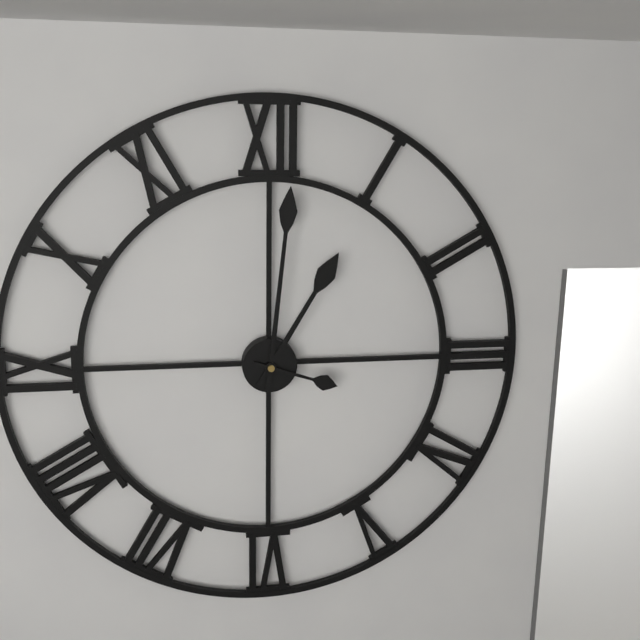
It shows 1.01.18
